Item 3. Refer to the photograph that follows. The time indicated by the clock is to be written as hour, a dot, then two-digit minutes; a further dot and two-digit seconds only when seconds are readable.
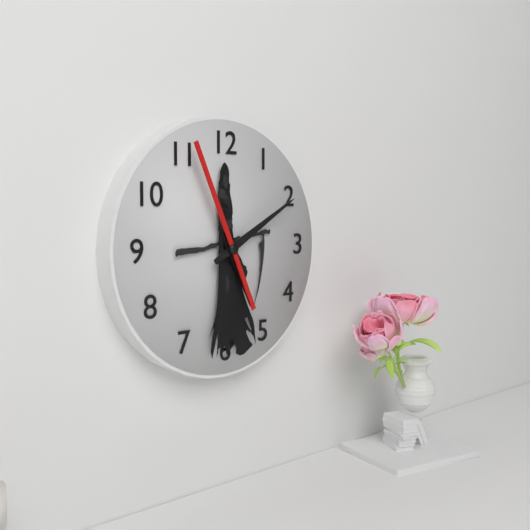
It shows 5.10.56
